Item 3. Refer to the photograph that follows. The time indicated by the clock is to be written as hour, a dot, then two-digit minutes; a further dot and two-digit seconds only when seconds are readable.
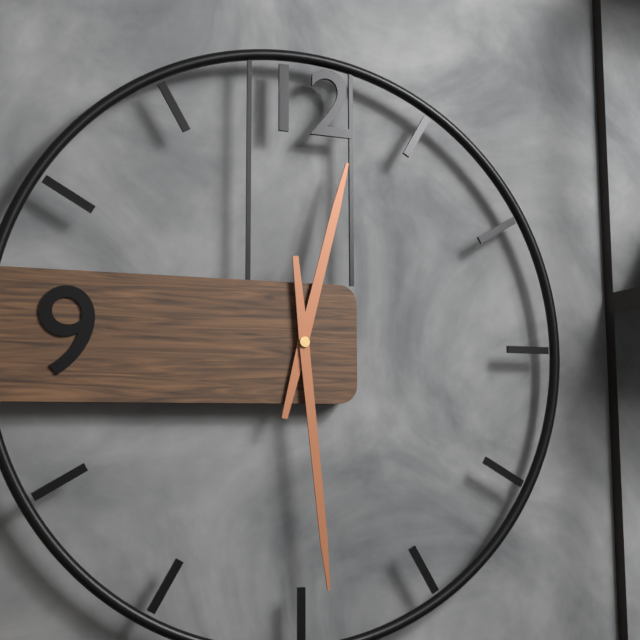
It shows 12.29
